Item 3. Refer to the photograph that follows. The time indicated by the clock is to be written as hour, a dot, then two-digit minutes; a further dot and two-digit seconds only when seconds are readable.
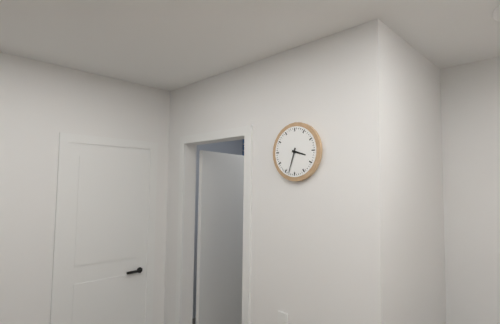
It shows 3.33
